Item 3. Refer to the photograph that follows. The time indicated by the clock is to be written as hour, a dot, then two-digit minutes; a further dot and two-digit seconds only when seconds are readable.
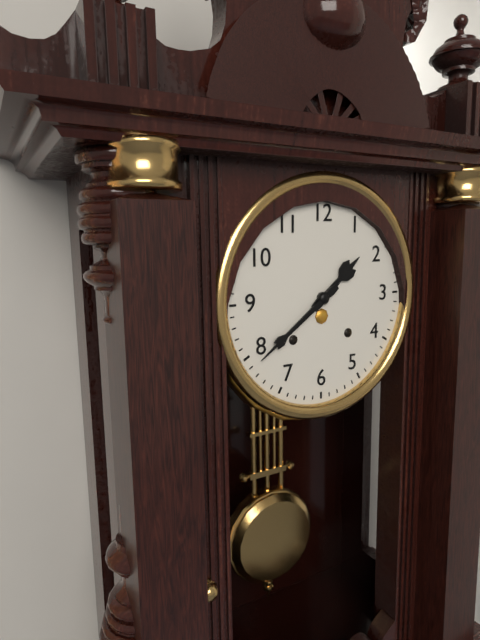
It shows 1.39
